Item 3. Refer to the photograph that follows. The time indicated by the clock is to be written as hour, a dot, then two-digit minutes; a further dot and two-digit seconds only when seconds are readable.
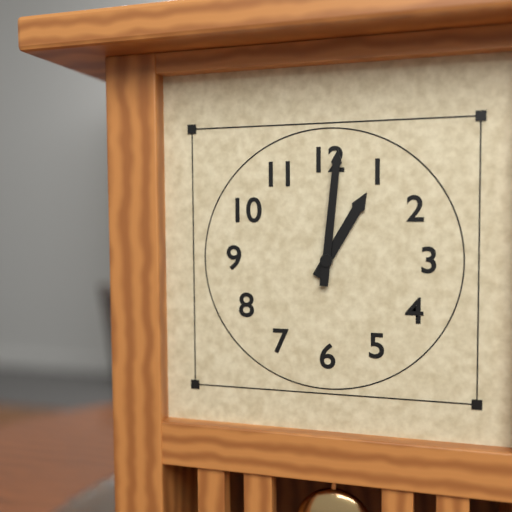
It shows 1.01
